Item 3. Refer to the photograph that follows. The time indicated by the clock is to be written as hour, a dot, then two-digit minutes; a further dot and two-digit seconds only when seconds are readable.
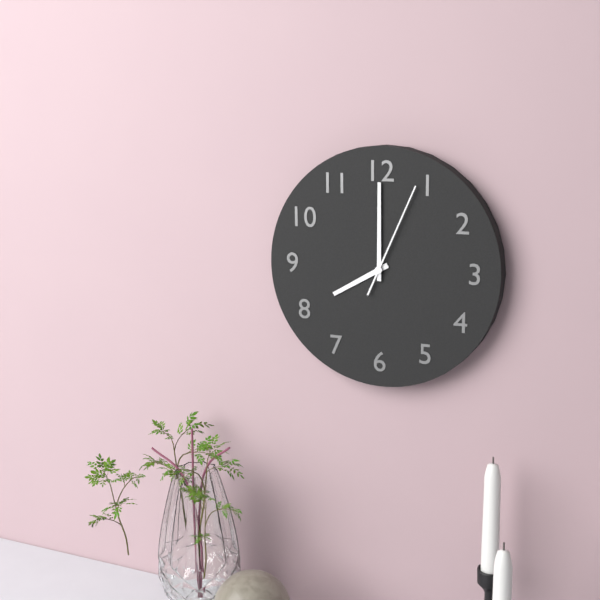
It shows 8.00.04
